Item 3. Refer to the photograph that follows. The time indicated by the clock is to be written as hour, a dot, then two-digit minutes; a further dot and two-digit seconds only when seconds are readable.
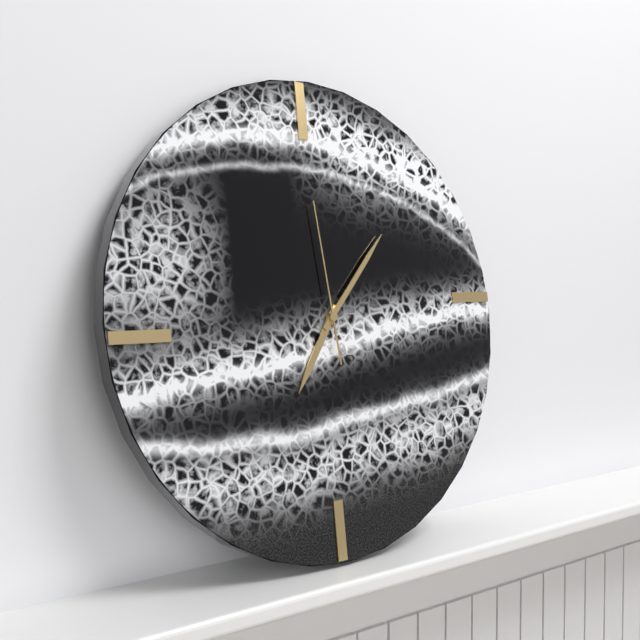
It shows 7.07.59
